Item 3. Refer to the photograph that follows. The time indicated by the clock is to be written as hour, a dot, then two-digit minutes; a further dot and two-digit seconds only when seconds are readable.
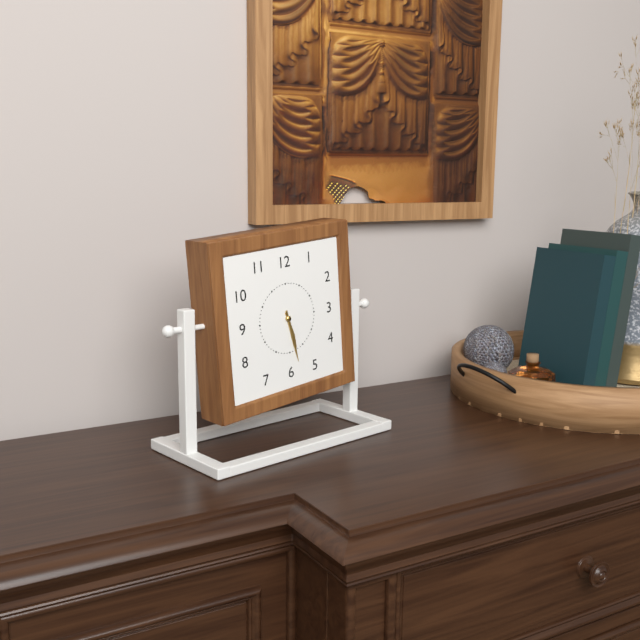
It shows 5.28
